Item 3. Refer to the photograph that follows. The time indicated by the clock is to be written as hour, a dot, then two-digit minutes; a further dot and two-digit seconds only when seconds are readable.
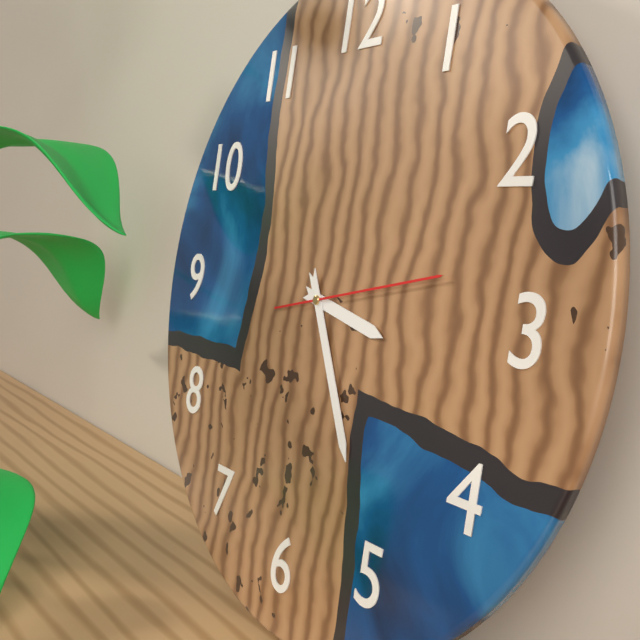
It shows 3.25.13
